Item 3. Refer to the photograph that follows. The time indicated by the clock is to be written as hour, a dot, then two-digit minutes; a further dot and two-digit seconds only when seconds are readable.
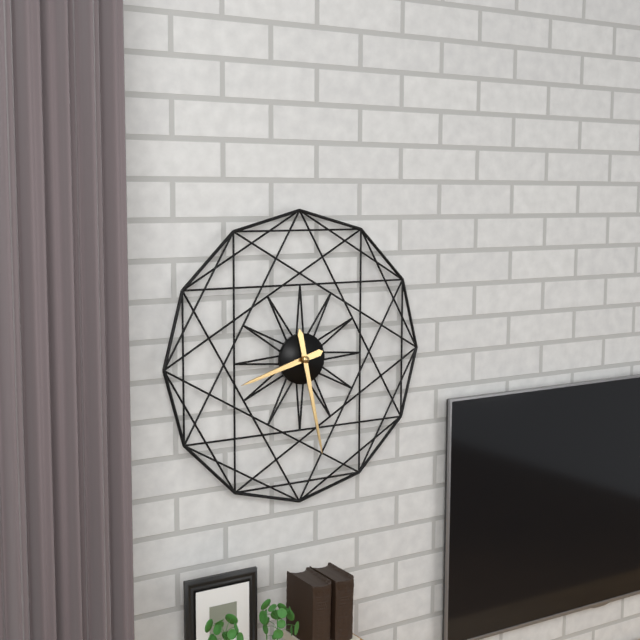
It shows 8.28
